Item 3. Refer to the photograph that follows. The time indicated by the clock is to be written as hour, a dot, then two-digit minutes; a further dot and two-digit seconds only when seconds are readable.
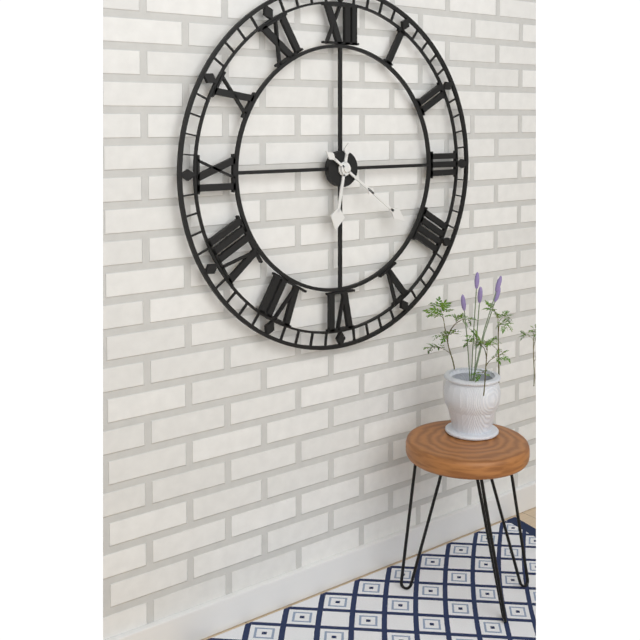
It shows 6.21
